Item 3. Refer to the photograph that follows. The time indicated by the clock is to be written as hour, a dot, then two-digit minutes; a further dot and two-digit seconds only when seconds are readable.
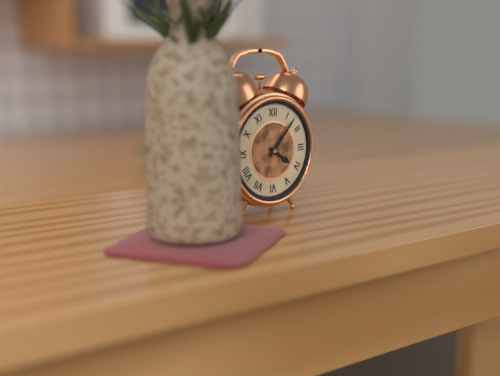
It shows 4.07
